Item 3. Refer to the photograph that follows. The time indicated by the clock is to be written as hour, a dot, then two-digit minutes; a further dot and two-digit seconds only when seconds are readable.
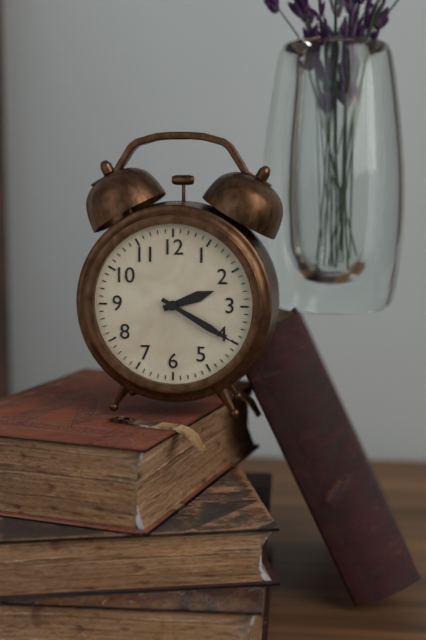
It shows 2.20
